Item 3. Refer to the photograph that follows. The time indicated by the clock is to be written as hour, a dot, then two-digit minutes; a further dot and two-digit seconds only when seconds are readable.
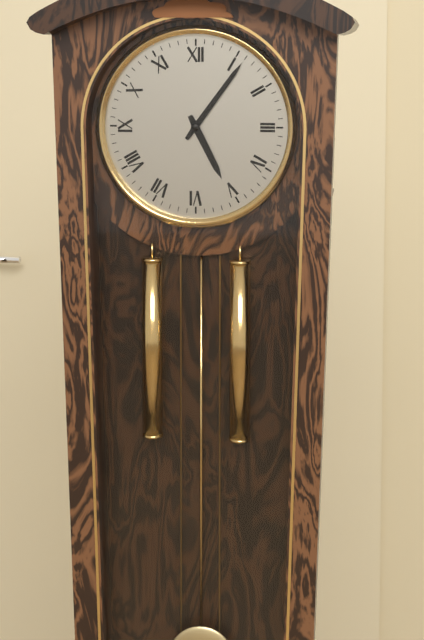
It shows 5.06
